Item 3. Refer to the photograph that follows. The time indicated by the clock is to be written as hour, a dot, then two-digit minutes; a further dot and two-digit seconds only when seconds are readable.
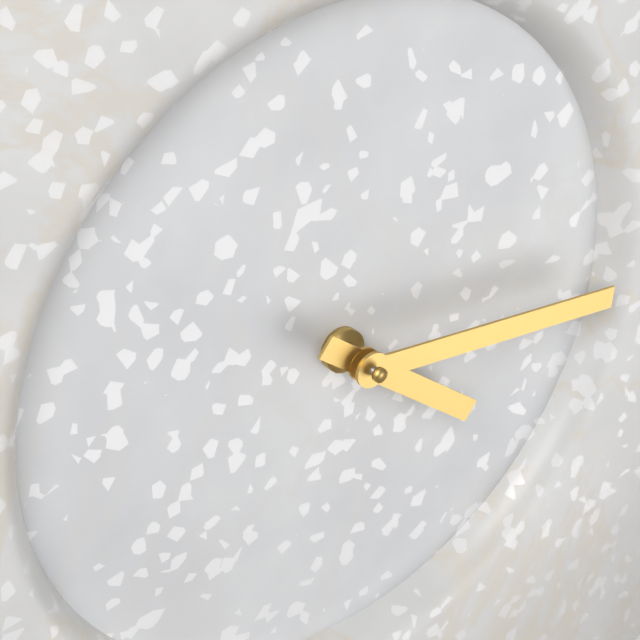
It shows 4.16
